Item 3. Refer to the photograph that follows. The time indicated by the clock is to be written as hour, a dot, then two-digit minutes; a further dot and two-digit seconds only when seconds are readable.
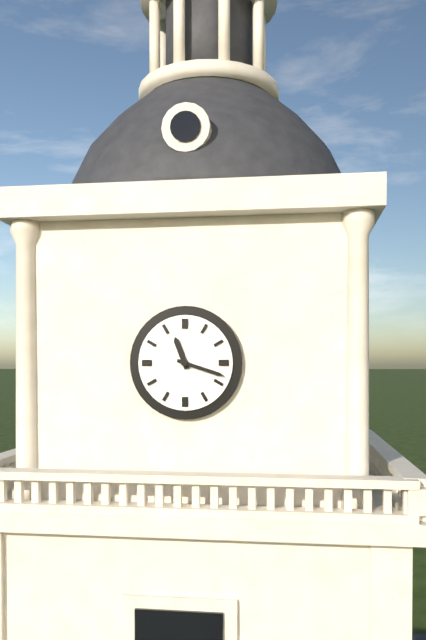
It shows 11.18
